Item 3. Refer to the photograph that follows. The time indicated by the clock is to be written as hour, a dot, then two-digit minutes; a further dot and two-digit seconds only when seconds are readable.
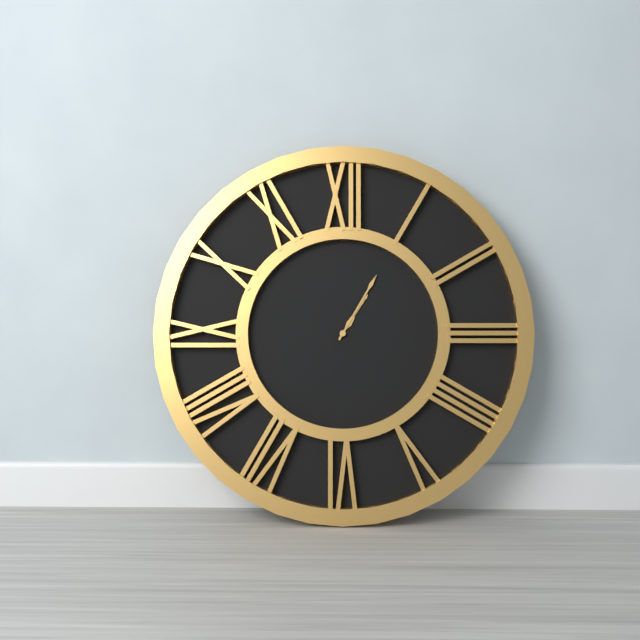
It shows 1.05
